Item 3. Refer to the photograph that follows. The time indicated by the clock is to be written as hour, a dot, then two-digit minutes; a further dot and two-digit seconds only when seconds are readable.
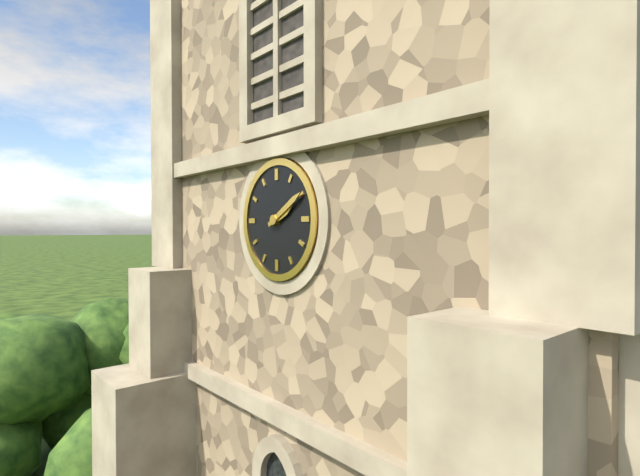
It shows 2.10
